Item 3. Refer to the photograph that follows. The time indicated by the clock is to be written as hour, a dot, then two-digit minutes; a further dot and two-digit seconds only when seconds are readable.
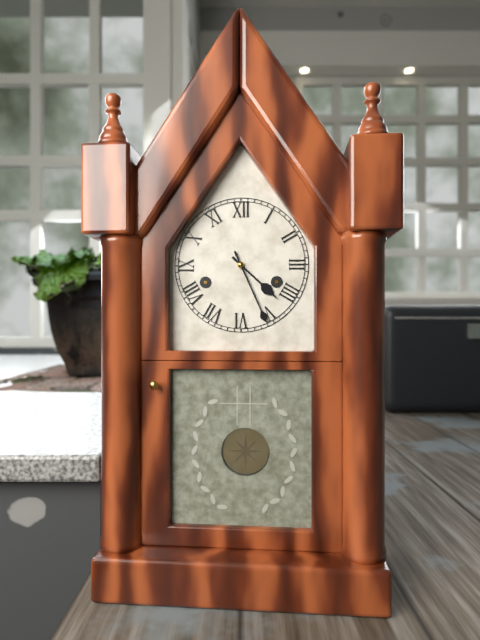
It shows 4.26
